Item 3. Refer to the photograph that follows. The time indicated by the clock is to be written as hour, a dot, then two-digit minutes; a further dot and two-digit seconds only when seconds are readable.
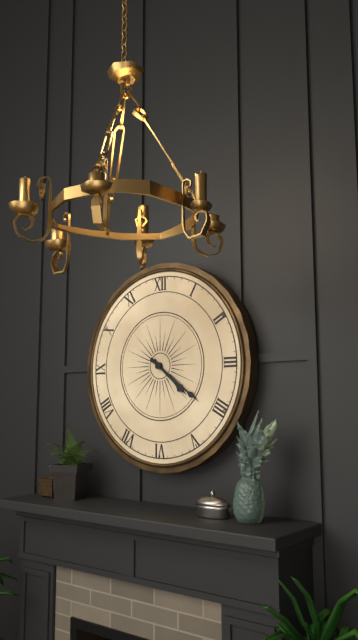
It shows 4.21
